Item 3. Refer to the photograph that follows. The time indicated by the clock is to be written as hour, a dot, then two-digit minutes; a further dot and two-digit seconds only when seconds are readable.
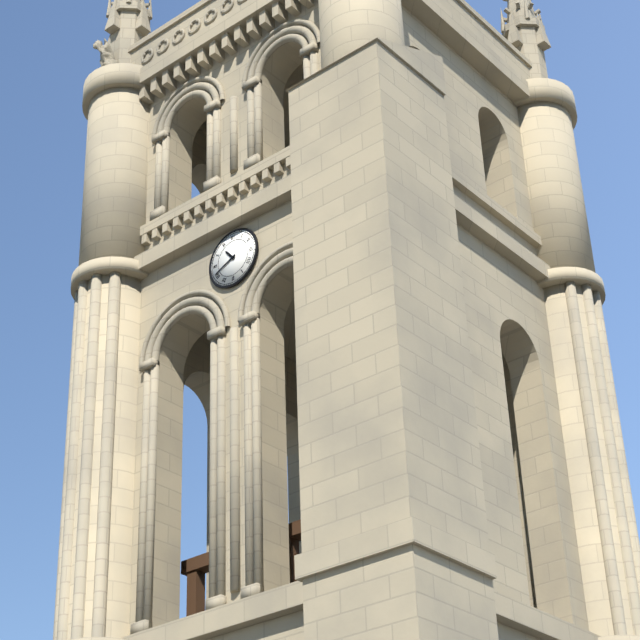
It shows 10.41
